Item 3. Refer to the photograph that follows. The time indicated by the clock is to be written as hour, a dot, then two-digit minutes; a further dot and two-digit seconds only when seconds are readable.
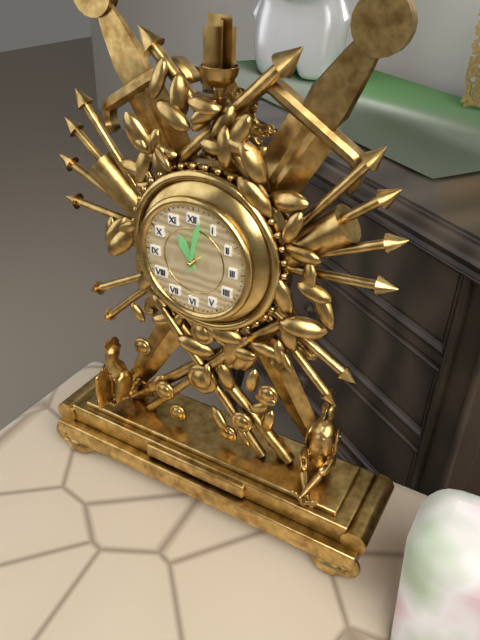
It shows 11.02
